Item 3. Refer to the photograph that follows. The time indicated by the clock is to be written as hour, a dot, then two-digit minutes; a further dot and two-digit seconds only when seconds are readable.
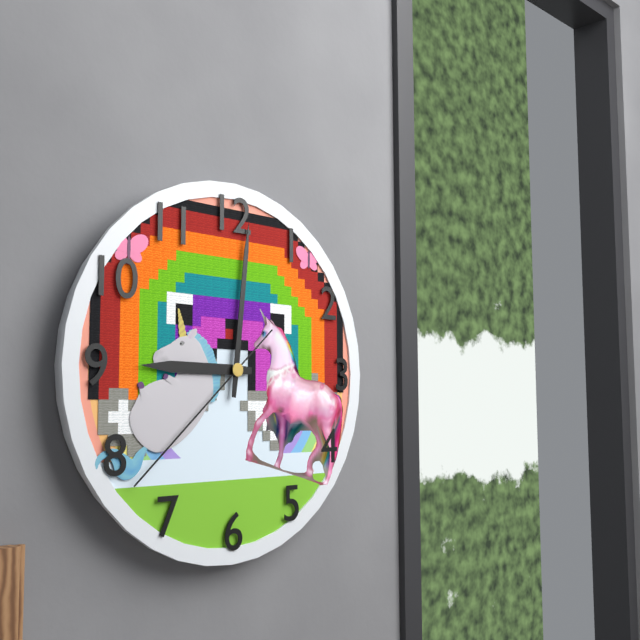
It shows 9.01.38
